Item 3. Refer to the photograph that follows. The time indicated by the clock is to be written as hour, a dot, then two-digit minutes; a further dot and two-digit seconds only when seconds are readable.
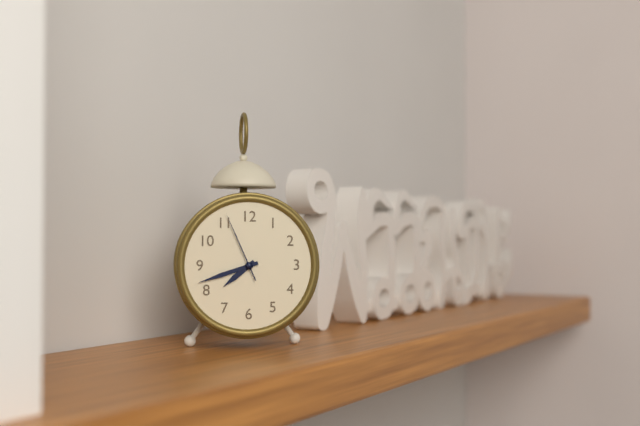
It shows 7.42.56
